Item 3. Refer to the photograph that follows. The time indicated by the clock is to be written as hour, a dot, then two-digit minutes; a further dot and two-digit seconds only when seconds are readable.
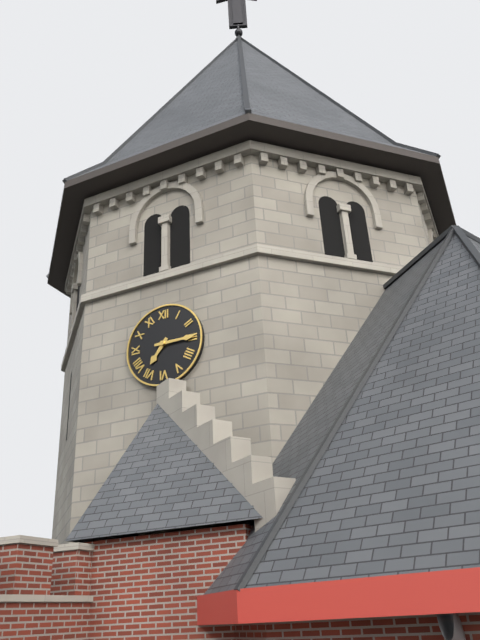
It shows 7.15
